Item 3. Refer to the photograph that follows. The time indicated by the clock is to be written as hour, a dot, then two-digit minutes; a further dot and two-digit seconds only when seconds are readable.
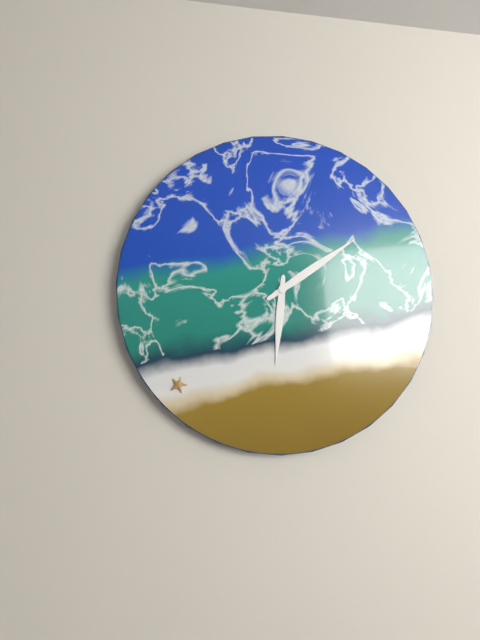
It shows 6.09
